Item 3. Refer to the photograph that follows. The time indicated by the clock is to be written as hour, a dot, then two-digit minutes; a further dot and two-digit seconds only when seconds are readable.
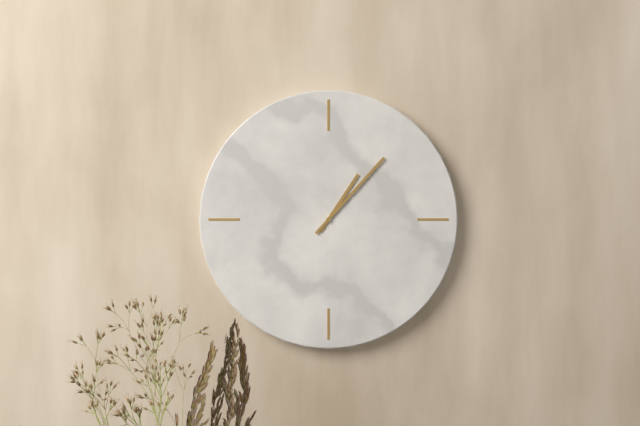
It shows 1.07
